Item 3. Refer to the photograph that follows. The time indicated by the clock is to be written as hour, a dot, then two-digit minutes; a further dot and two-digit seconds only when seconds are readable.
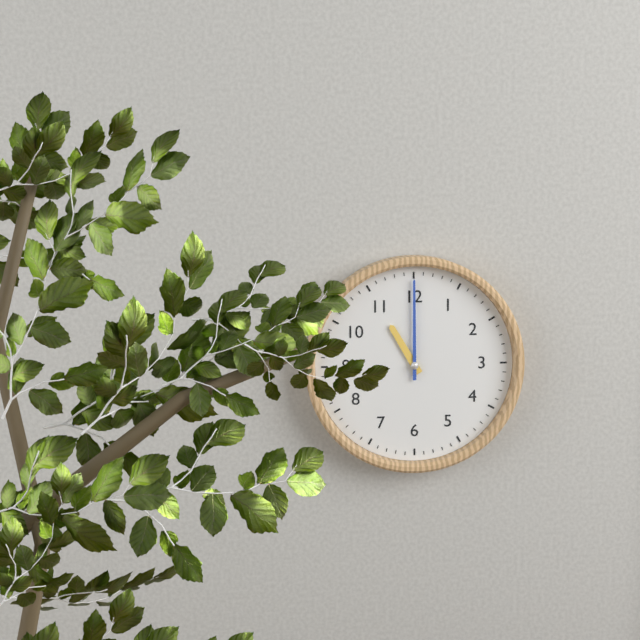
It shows 11.00
